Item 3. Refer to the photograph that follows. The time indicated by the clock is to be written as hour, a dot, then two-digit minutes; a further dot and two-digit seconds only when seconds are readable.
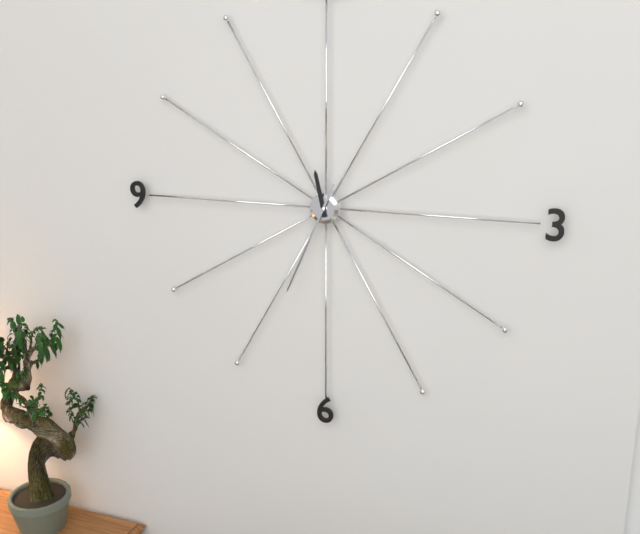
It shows 11.34
